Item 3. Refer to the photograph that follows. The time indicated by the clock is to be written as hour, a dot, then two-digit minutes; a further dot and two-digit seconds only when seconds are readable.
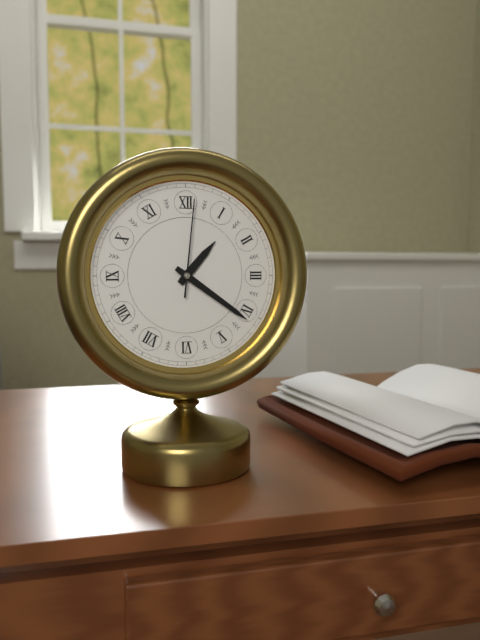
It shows 1.21.01
